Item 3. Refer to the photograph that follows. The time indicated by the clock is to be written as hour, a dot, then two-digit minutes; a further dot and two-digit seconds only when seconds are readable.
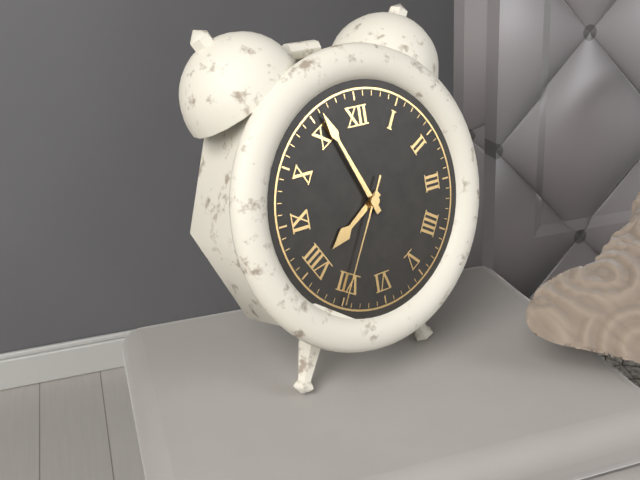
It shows 7.56.35
